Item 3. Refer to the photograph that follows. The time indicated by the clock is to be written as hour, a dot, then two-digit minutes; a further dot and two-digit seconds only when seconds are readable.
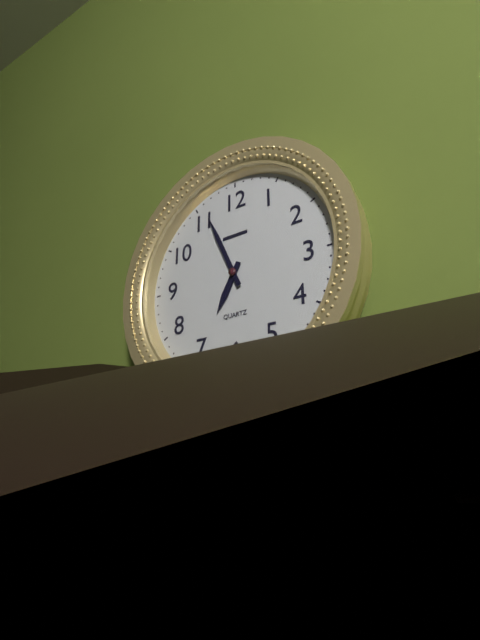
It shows 6.56
